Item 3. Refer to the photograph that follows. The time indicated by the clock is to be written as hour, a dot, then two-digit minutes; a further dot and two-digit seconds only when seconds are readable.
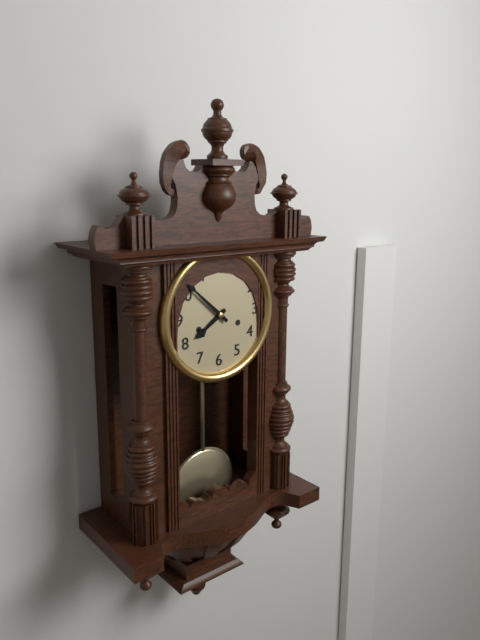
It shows 7.52
